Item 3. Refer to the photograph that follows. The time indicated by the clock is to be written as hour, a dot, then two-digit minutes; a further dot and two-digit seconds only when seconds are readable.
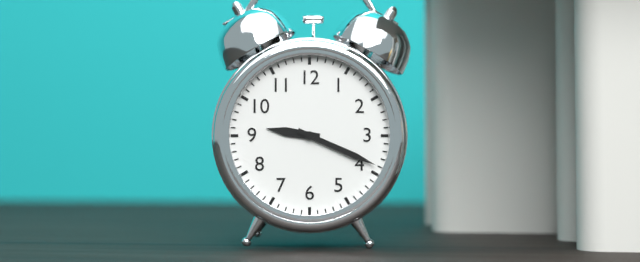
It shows 9.19
